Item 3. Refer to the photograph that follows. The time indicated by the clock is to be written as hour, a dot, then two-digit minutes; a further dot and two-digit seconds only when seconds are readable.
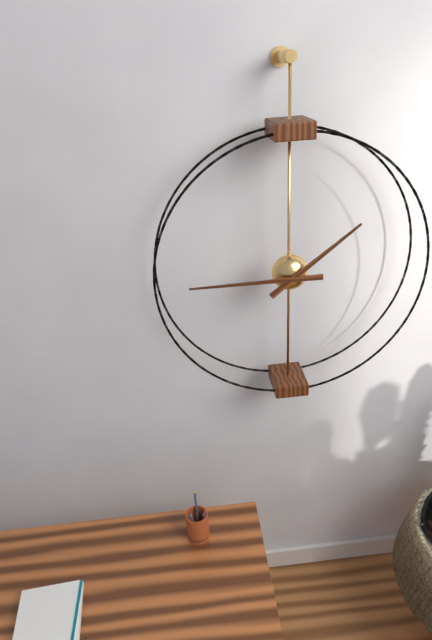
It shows 1.45
